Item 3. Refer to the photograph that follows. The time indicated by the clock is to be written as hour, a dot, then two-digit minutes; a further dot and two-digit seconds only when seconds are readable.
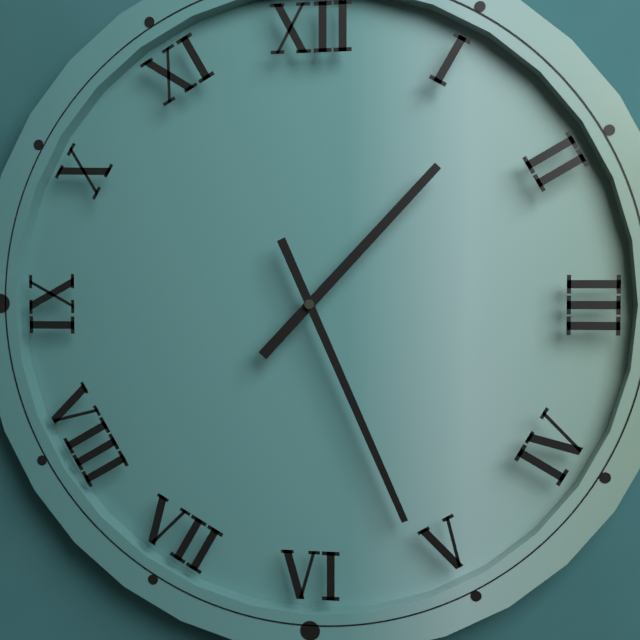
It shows 1.26
